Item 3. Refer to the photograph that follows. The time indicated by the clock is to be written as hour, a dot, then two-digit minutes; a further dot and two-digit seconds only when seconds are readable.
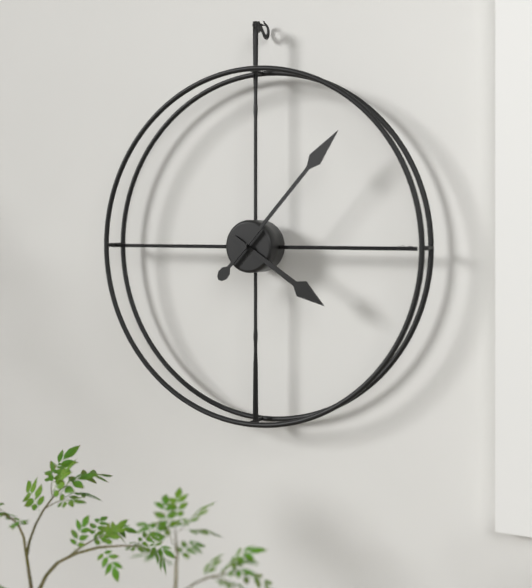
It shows 4.07
